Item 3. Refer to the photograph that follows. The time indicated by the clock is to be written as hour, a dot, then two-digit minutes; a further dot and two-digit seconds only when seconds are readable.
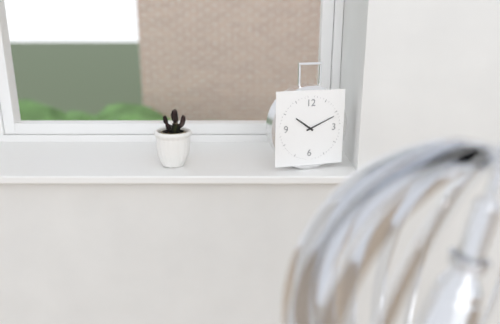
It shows 10.11
